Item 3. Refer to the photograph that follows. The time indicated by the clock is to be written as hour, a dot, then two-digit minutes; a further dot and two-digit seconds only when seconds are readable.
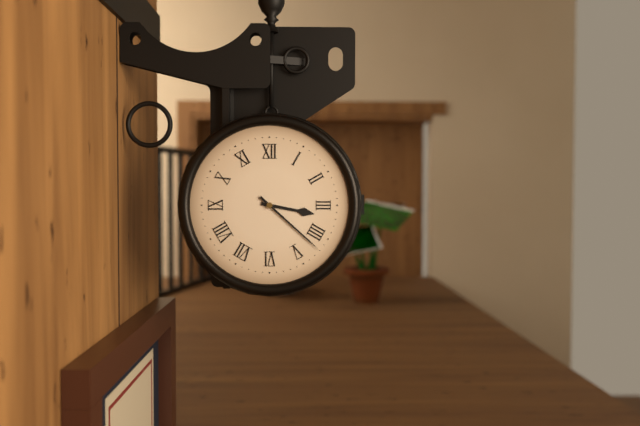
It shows 3.22
